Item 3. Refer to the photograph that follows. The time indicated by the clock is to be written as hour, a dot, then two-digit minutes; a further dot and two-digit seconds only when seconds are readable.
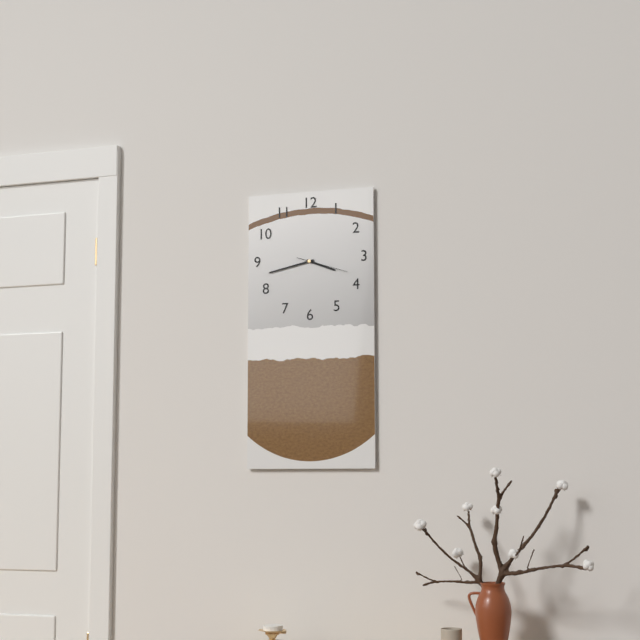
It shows 3.43
